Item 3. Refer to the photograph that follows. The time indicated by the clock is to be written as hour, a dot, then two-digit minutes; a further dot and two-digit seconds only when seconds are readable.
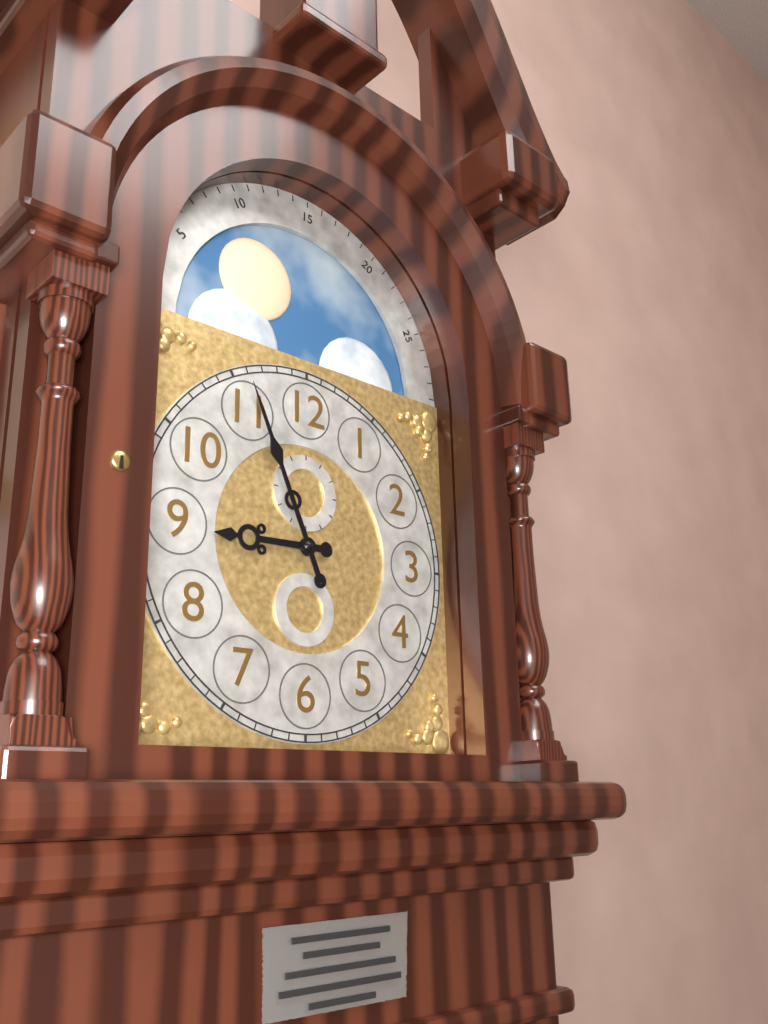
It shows 8.56
